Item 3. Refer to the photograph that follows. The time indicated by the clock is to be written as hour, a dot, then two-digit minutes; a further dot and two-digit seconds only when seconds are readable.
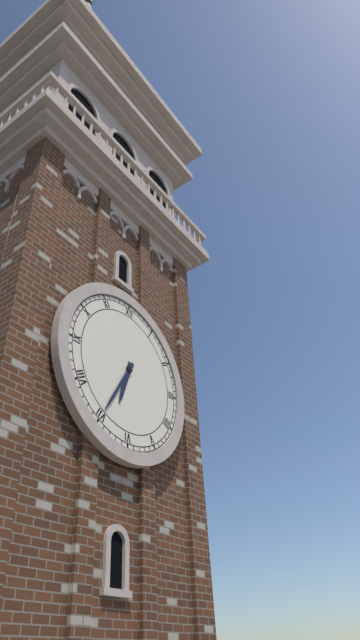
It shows 6.35
